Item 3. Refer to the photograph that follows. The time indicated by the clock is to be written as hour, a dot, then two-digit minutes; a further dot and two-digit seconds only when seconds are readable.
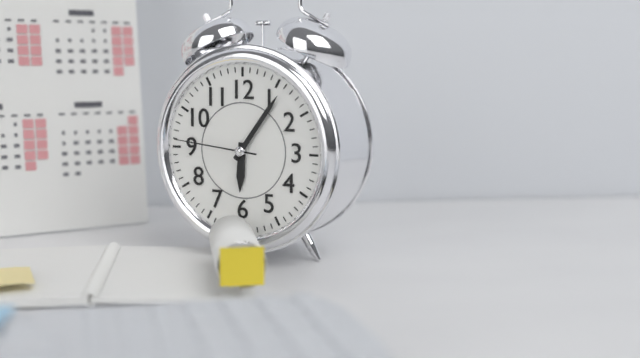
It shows 6.06.46
